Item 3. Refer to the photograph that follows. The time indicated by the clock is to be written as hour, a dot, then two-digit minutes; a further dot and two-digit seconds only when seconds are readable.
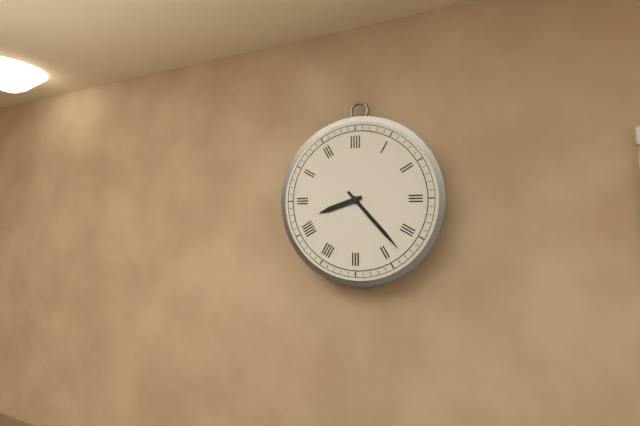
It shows 8.23
